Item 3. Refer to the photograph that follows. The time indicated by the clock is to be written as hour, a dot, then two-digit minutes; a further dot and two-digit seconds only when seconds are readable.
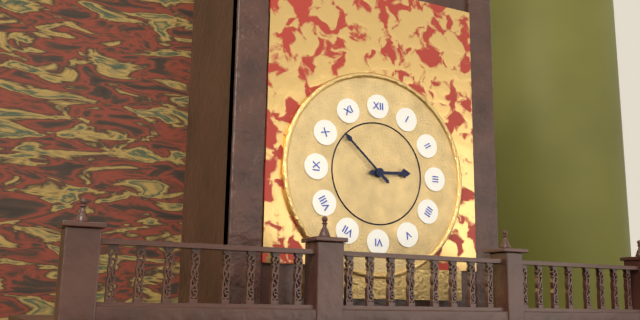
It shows 2.52
